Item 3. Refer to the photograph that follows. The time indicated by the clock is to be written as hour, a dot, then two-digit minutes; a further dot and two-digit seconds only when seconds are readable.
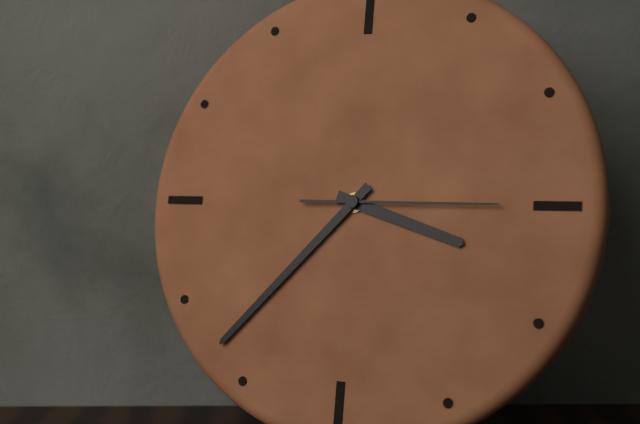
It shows 3.37.15
